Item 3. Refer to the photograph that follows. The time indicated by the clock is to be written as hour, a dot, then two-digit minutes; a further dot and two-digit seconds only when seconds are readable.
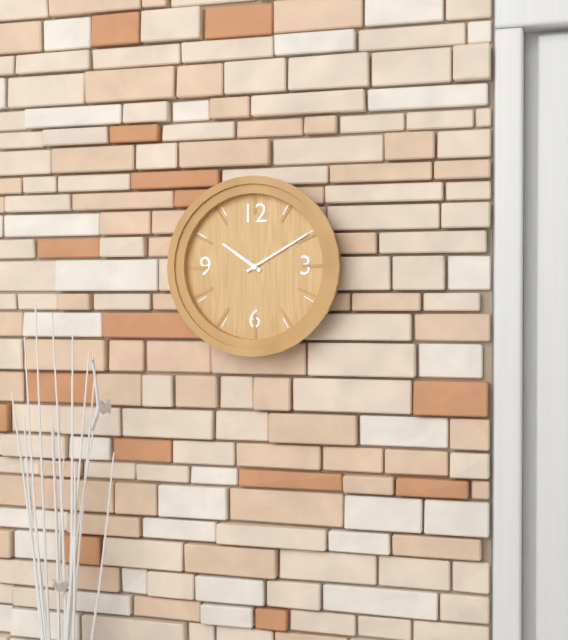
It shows 10.10
